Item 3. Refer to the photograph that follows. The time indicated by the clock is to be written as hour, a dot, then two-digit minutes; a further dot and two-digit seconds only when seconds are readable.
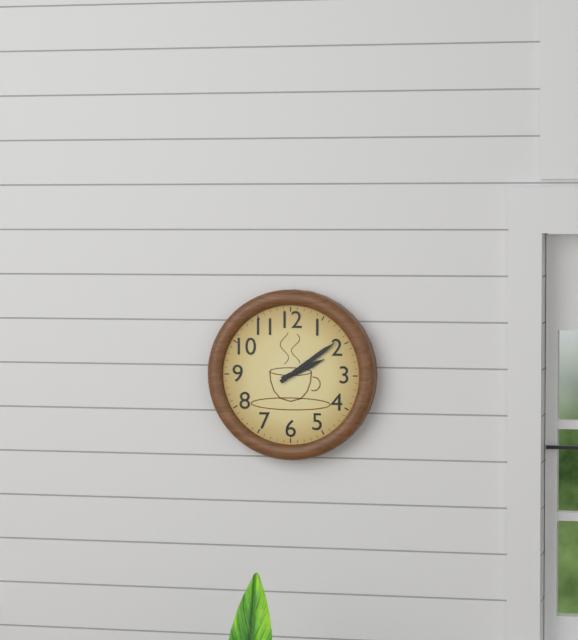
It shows 2.09
